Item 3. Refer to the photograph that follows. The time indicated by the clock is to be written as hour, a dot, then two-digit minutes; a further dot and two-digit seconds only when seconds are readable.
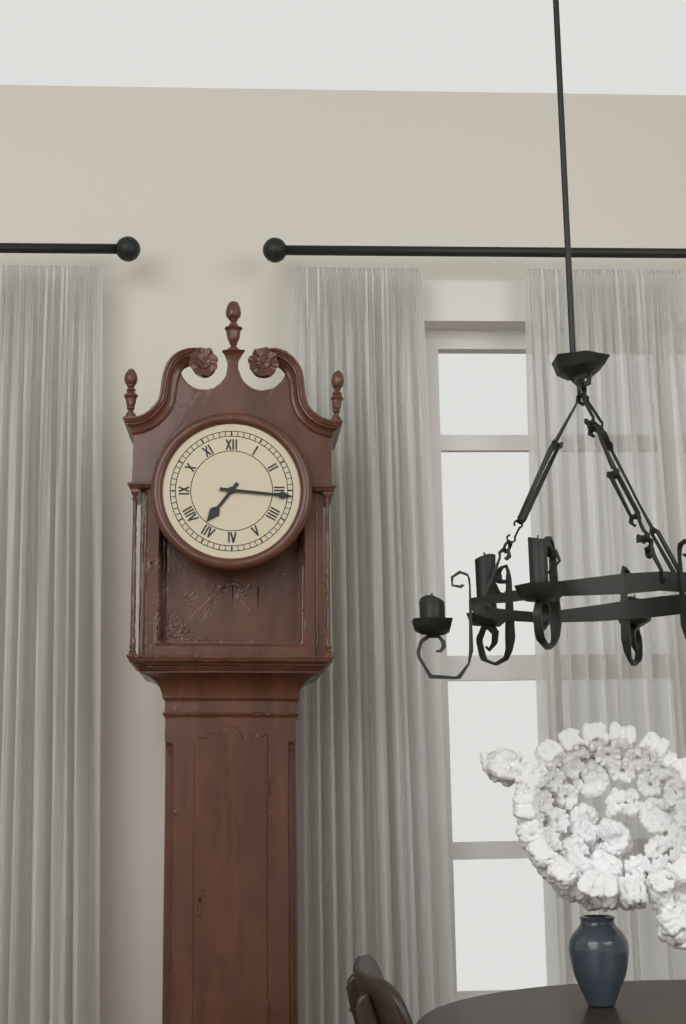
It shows 7.16
